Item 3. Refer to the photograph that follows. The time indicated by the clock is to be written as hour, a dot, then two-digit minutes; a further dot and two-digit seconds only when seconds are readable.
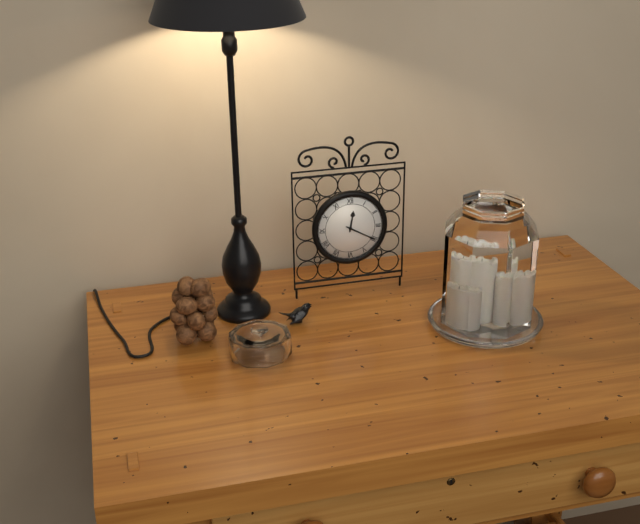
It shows 12.20
